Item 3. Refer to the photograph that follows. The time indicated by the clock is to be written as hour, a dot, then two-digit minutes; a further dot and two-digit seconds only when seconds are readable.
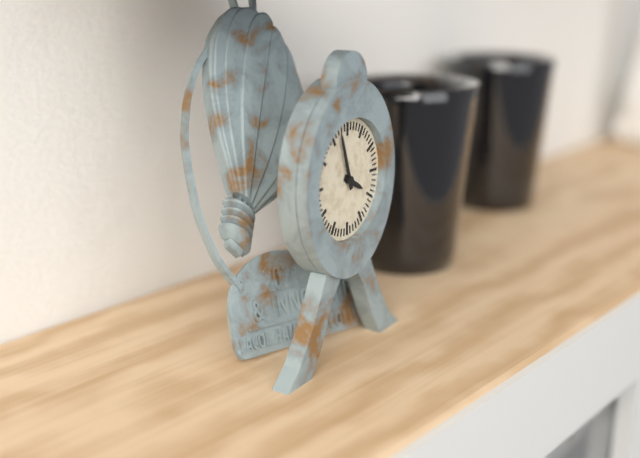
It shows 3.57
